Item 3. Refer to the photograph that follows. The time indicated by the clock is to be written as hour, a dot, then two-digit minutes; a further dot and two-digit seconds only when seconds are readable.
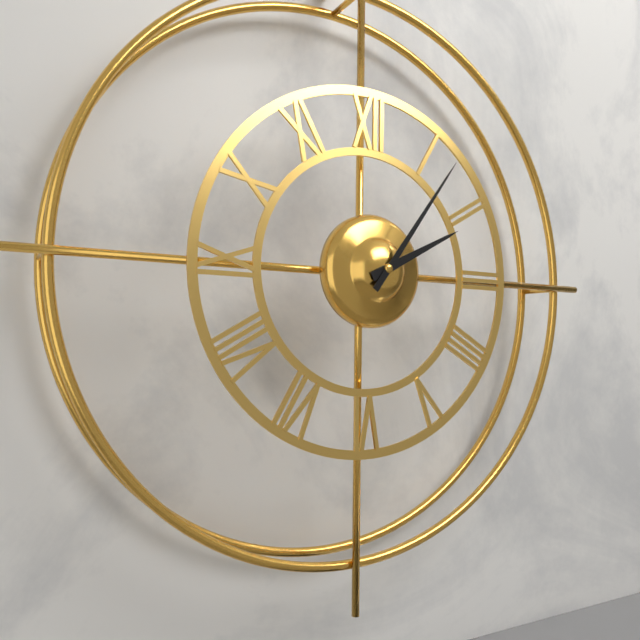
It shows 2.06
